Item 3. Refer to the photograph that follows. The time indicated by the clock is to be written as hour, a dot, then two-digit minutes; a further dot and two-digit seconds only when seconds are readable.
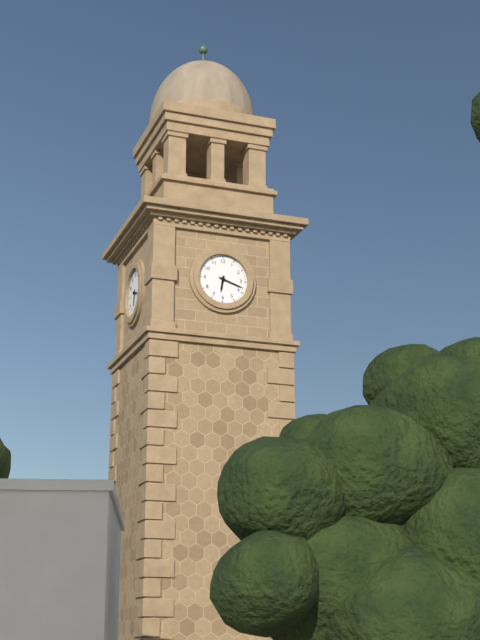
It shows 6.18
